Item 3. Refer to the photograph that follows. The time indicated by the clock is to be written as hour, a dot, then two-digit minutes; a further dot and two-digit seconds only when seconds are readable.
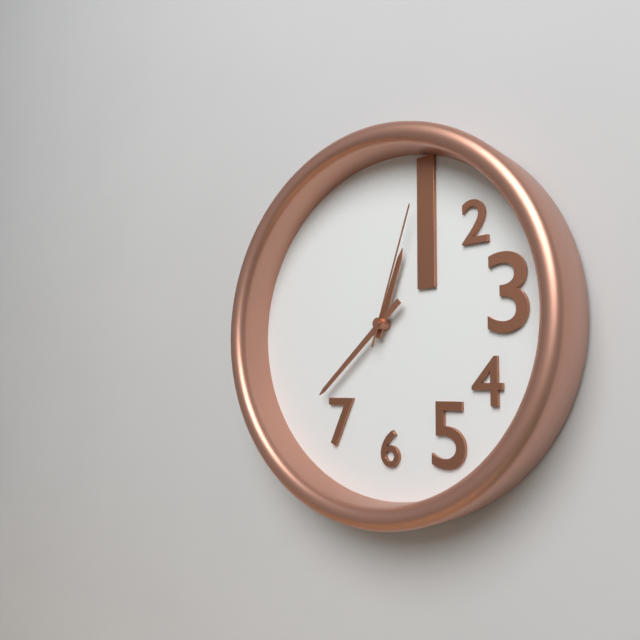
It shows 12.38.03
